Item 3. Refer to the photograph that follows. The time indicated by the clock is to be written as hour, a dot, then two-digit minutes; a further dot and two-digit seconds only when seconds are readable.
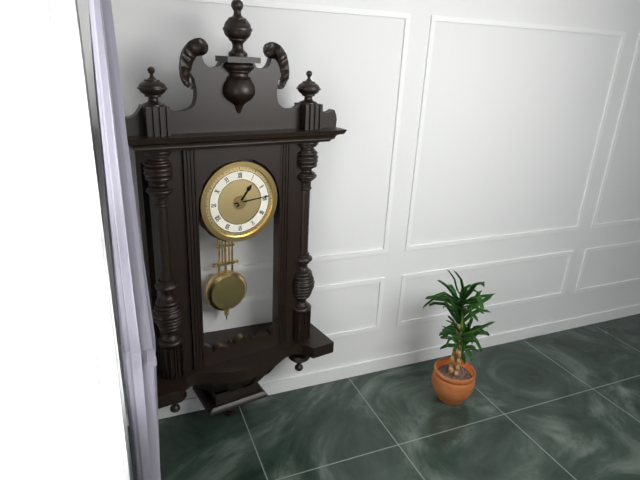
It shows 1.14
